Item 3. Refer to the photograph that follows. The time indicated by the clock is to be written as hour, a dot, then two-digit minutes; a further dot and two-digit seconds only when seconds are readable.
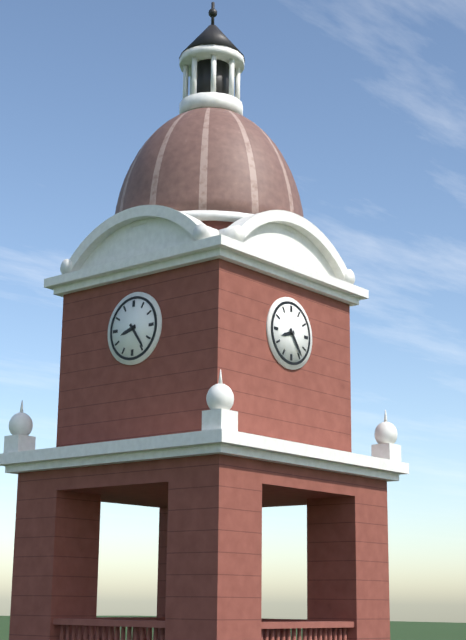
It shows 8.24
